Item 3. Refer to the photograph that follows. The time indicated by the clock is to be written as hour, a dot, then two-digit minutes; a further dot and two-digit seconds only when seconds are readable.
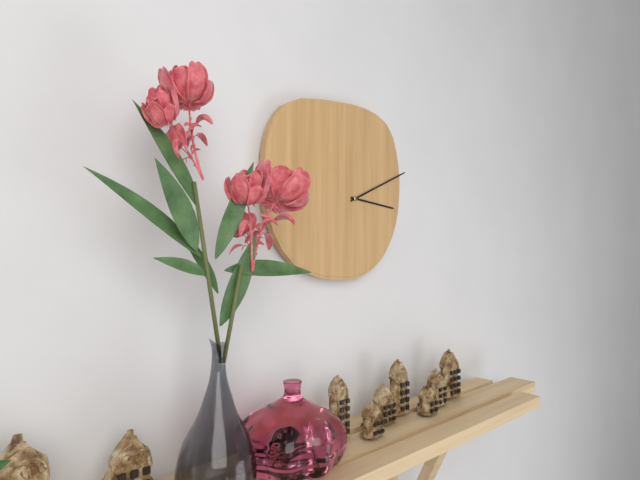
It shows 3.11
